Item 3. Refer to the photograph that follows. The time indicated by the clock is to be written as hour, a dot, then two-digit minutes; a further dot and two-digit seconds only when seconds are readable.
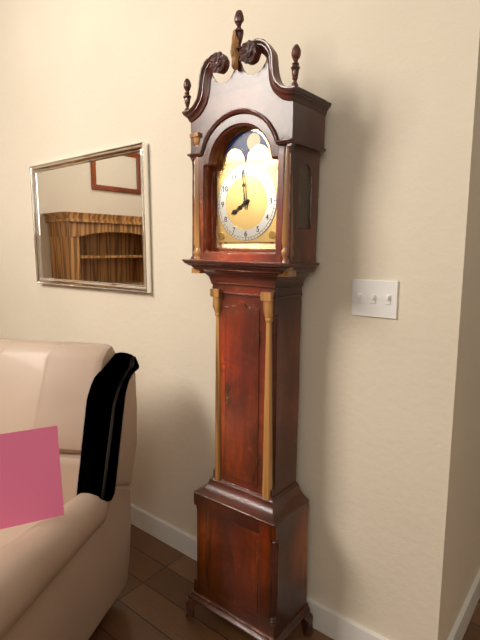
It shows 7.59
